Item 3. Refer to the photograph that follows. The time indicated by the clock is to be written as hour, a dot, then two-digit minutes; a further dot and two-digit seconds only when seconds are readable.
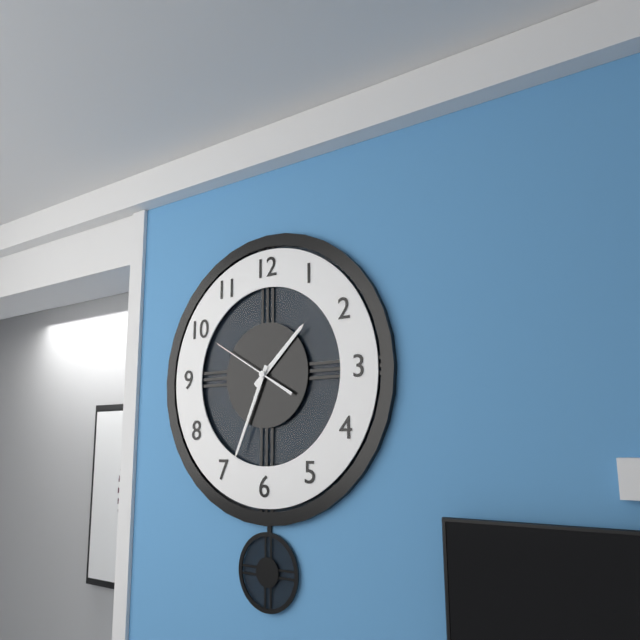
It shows 1.34.50
